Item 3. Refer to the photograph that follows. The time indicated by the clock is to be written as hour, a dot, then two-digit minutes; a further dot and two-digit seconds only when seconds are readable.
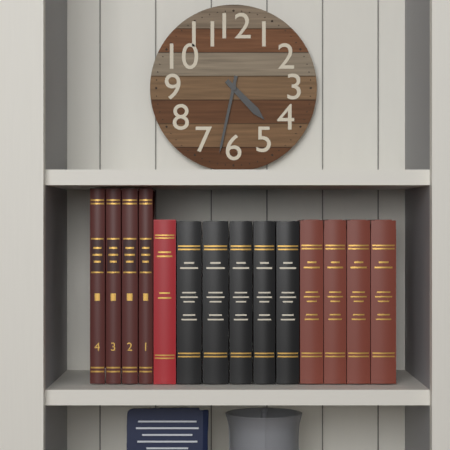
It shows 4.32
